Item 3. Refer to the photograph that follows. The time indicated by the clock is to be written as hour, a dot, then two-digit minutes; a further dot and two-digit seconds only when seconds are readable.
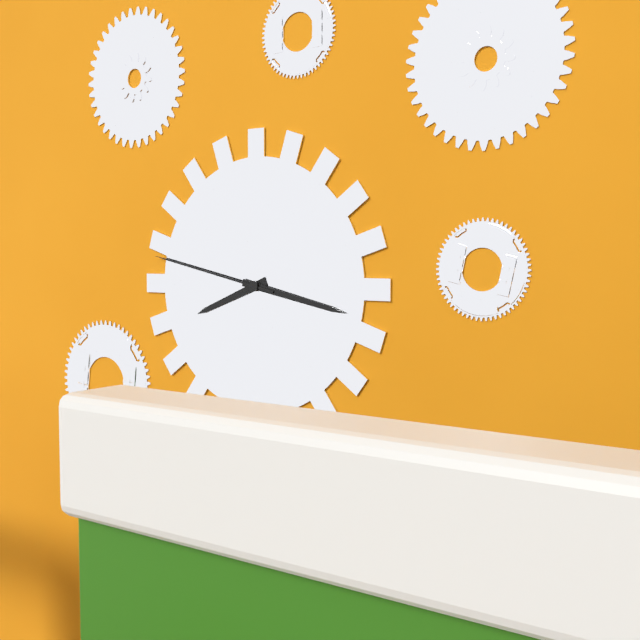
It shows 8.17.47
